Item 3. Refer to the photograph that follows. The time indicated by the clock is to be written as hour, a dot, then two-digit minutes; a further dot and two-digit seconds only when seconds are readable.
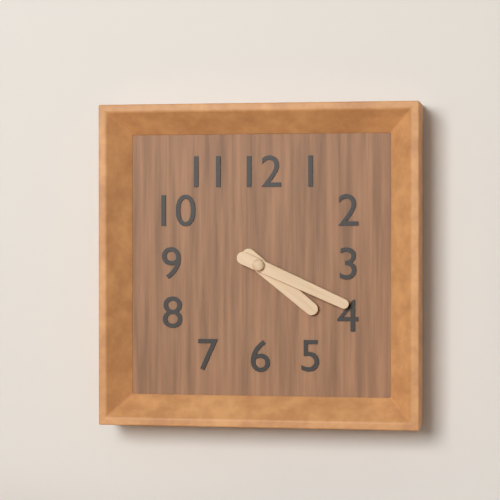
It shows 4.19
